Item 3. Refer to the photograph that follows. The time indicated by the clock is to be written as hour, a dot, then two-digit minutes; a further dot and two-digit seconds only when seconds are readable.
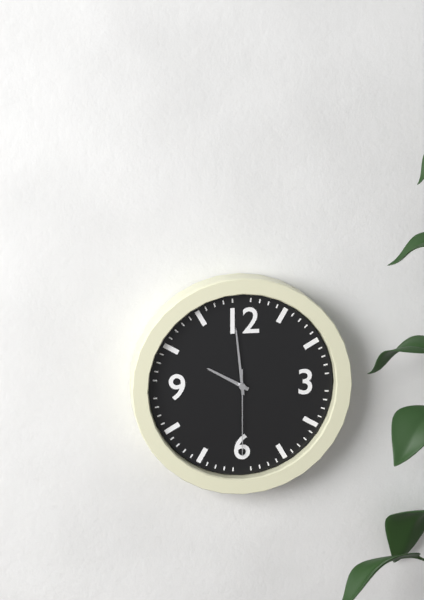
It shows 9.59.30
